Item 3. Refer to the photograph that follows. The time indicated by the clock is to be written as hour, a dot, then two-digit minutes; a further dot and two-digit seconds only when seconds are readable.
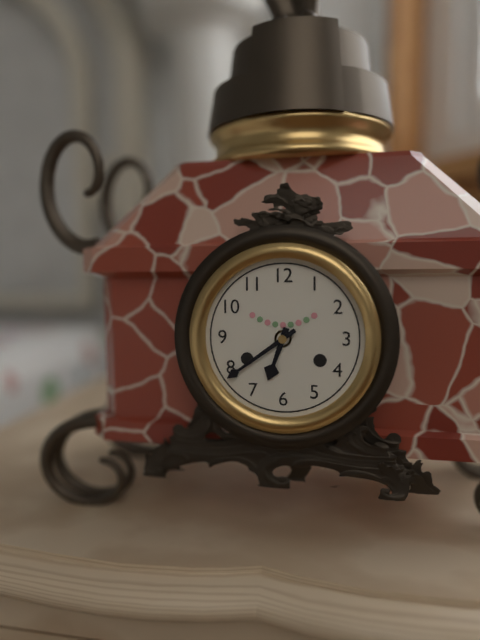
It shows 6.39
